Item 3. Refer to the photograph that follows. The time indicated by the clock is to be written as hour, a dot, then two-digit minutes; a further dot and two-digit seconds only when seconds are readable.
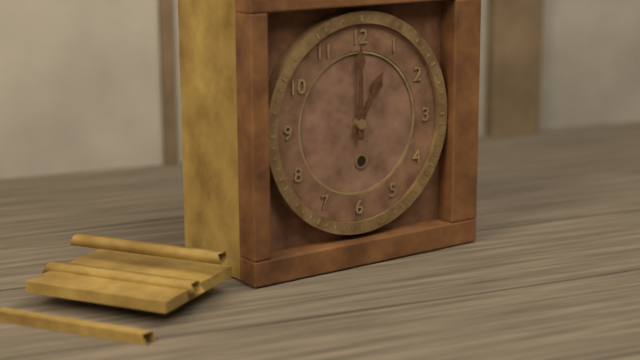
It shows 1.00
